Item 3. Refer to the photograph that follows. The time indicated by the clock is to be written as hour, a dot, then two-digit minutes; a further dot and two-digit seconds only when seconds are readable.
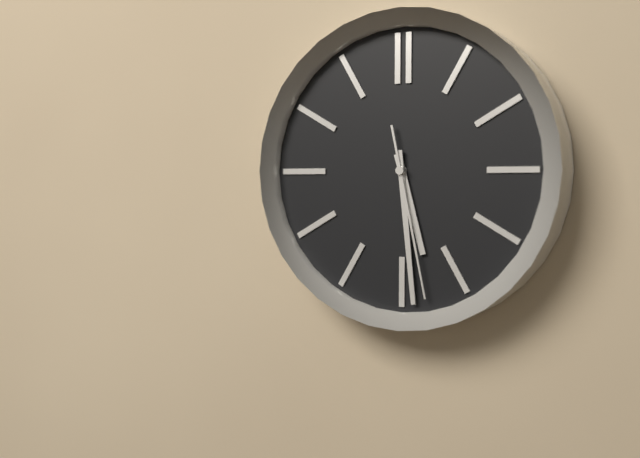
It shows 5.29.28
